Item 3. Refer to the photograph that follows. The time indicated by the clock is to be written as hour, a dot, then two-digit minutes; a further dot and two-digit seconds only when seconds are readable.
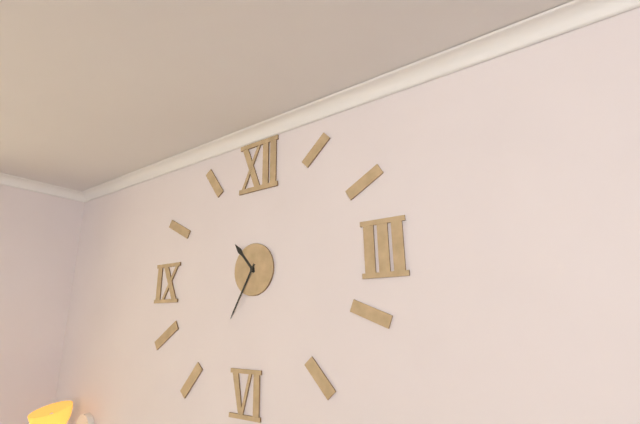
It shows 10.35
